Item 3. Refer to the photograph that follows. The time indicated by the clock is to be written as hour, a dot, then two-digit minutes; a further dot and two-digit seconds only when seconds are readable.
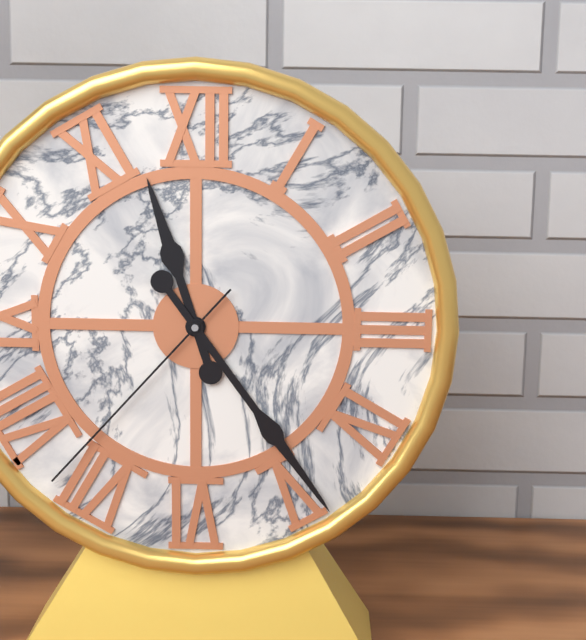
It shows 11.24.37
